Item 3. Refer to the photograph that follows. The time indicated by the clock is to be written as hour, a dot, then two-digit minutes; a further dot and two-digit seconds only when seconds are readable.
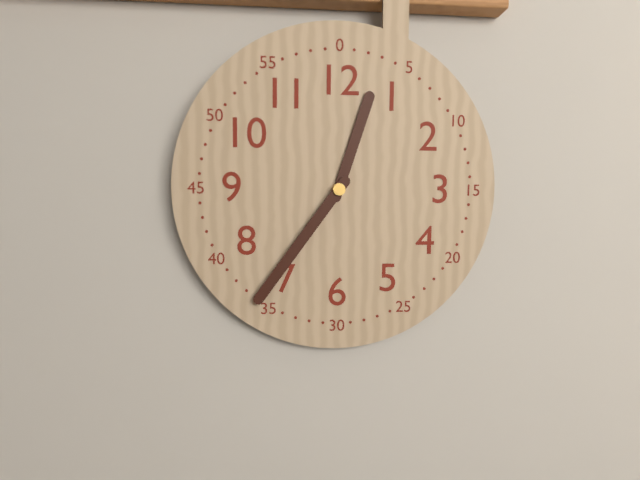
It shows 12.36
